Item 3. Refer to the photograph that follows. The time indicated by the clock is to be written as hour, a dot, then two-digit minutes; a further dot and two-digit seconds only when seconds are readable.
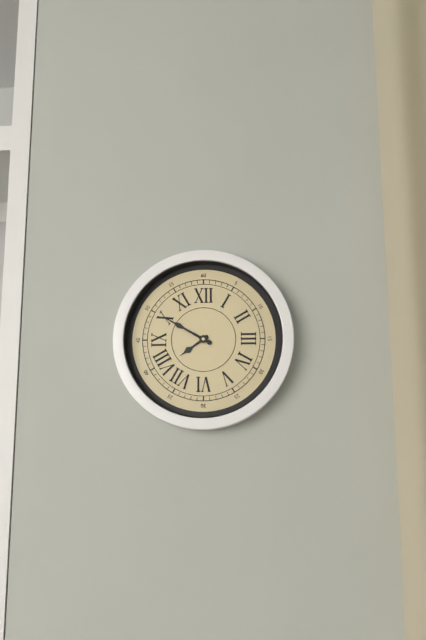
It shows 7.50
